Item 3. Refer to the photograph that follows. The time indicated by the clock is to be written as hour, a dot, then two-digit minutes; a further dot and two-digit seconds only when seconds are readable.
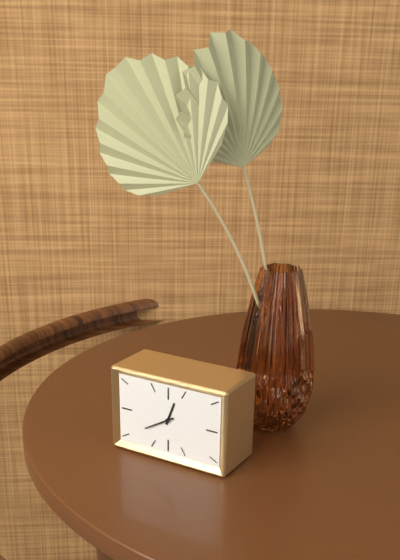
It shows 12.40
